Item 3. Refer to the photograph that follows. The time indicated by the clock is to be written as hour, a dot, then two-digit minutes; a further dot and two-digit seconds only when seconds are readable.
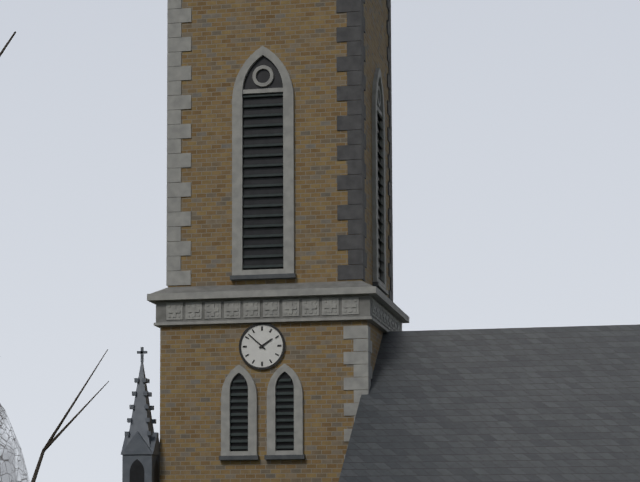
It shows 1.52
